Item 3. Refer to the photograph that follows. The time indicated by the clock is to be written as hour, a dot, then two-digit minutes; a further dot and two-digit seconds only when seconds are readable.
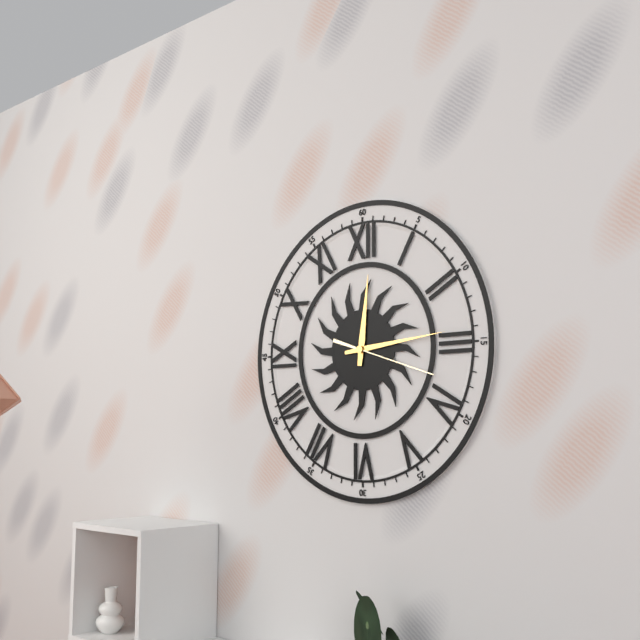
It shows 12.14.18
